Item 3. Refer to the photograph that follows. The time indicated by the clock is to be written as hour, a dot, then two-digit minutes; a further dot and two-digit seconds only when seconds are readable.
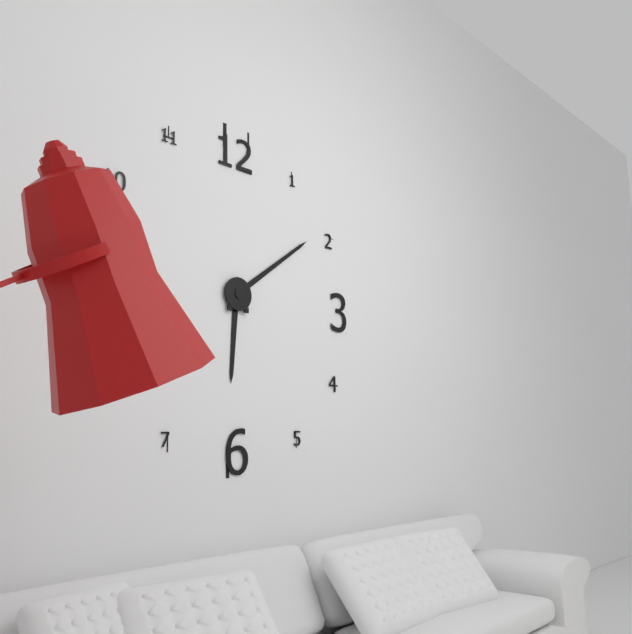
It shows 6.09
